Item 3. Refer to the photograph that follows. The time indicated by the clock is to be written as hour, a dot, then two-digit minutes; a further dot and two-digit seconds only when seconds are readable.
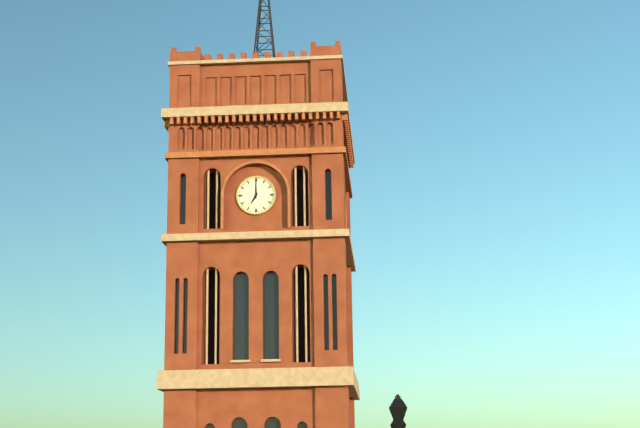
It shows 7.00
